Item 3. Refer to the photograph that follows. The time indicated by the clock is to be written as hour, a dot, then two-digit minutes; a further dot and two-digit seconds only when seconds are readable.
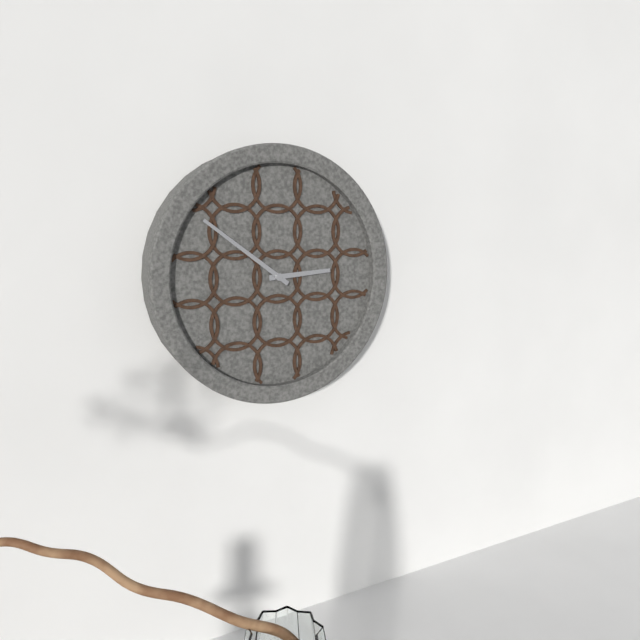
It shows 2.51
